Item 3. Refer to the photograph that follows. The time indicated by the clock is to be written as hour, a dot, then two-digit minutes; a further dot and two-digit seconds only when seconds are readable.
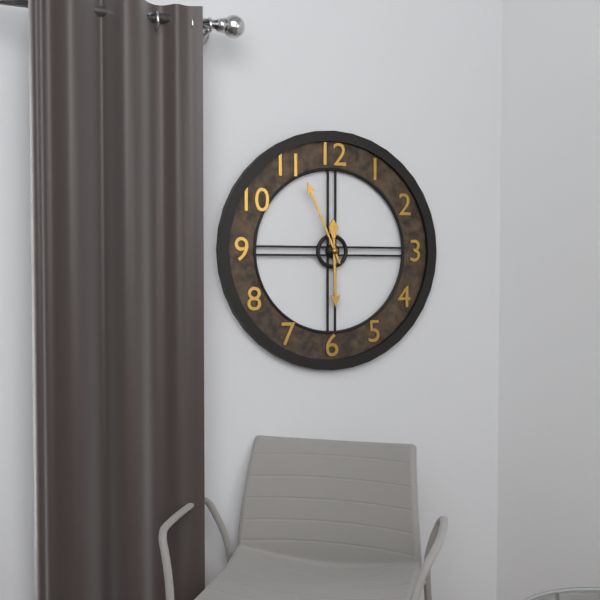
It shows 5.56
